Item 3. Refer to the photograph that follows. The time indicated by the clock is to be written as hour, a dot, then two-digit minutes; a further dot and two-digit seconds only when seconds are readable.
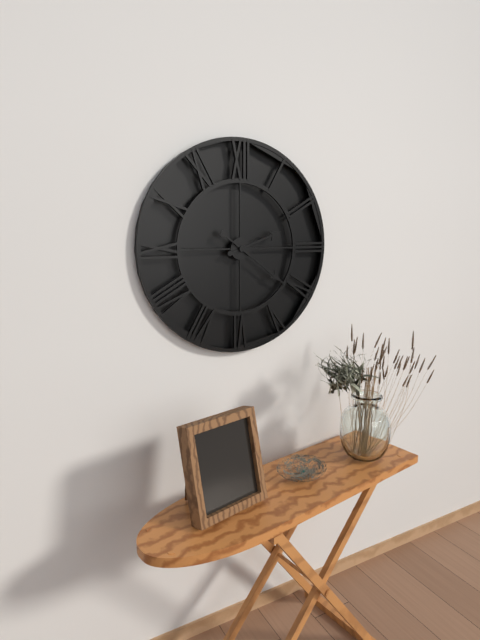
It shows 2.21
